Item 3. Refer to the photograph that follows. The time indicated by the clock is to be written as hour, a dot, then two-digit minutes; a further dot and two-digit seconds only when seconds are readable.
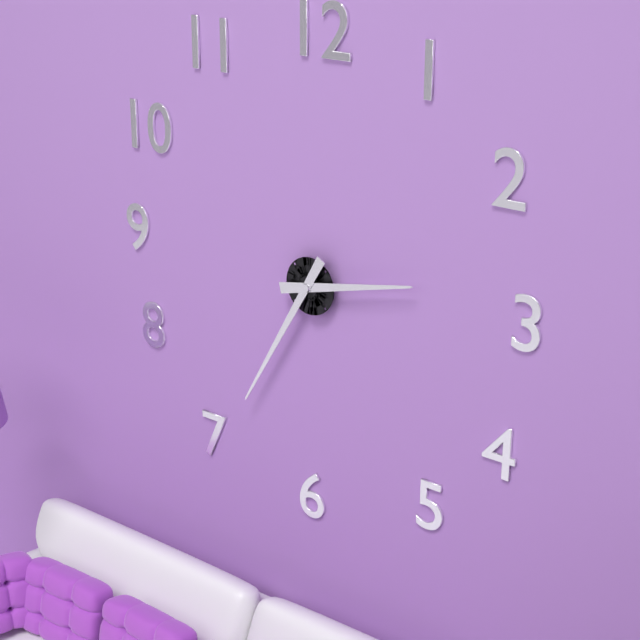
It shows 2.35
